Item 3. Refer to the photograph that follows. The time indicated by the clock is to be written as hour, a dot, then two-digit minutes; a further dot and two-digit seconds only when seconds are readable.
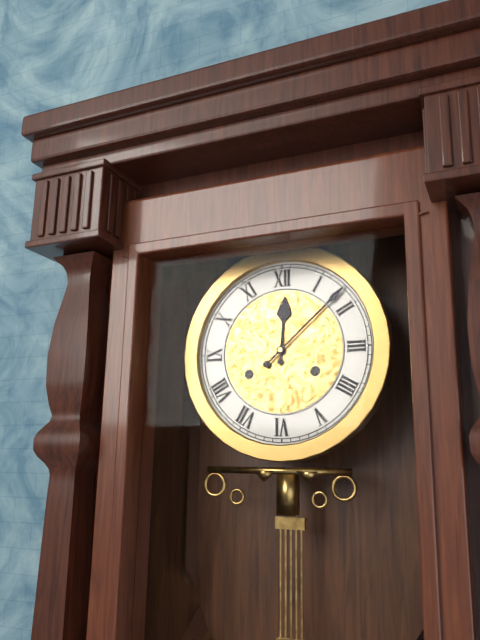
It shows 12.08
